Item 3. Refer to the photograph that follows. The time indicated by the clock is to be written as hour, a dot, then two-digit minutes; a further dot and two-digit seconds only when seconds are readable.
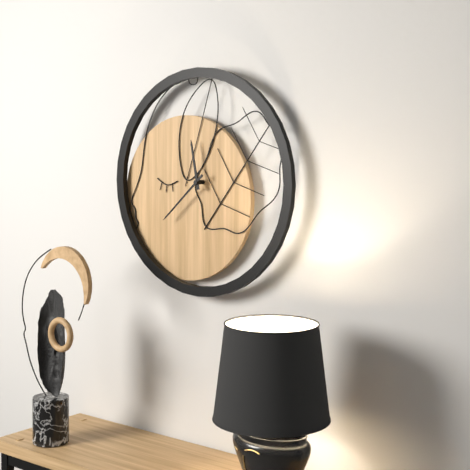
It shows 11.38
